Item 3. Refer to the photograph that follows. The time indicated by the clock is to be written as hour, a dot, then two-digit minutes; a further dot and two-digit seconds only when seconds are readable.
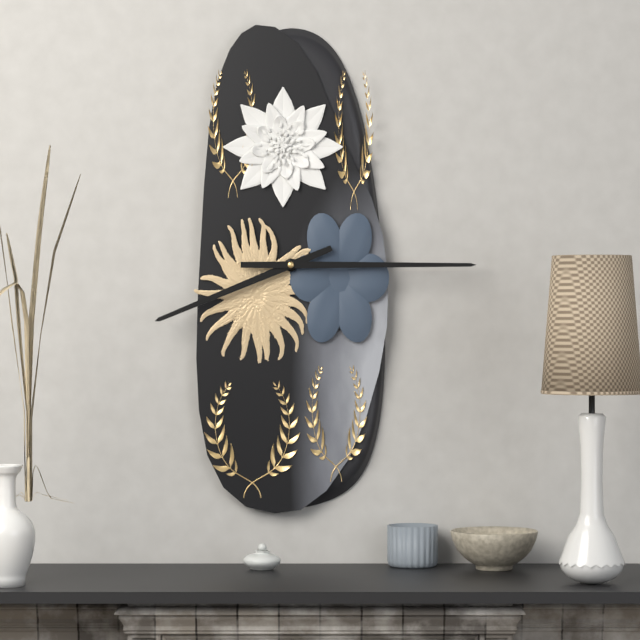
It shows 8.15
